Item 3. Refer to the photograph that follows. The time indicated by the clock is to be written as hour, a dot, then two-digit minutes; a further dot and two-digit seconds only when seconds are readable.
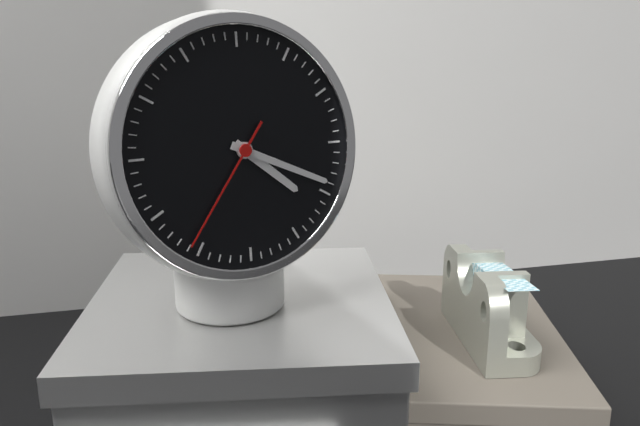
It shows 4.19.36
